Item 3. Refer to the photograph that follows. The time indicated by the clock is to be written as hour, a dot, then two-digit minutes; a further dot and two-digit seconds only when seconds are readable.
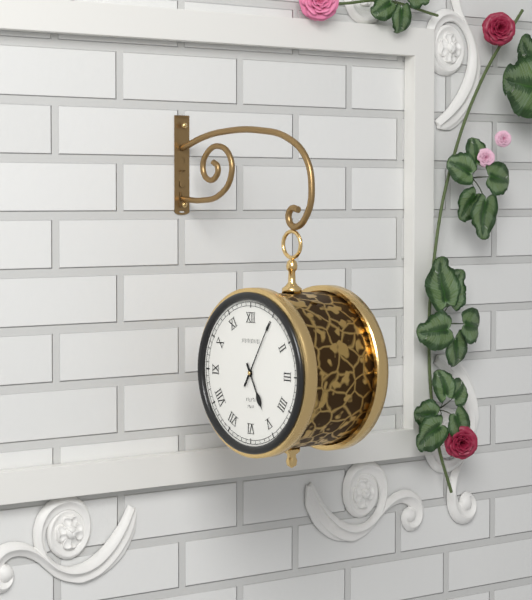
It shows 5.05
